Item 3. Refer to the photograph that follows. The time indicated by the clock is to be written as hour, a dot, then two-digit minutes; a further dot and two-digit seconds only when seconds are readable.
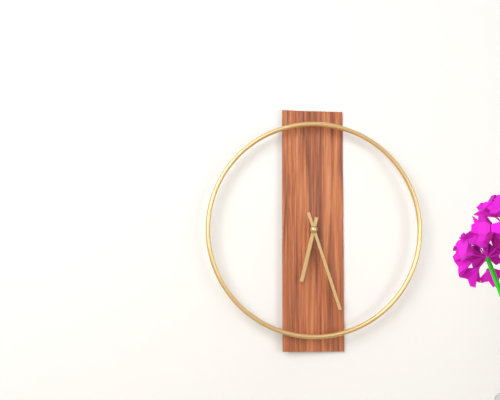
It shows 6.27
